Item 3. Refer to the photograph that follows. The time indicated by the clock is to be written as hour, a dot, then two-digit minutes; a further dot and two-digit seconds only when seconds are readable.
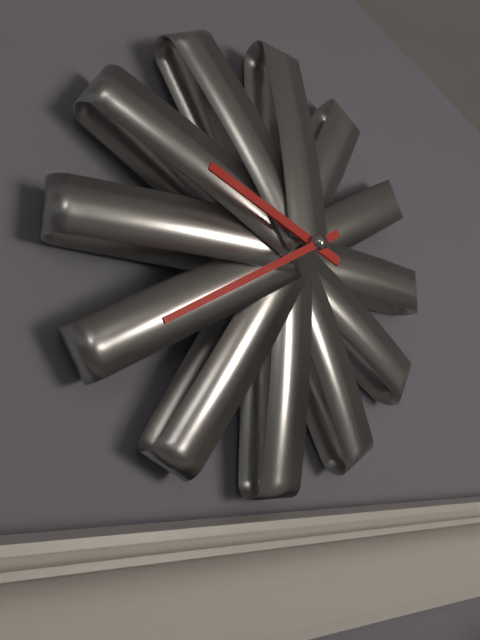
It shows 9.40
